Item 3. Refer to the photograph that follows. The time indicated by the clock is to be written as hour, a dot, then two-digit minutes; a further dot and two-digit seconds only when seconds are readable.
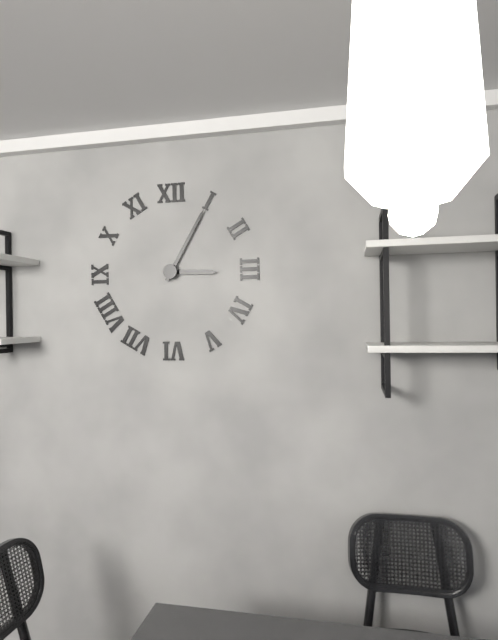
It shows 3.05
